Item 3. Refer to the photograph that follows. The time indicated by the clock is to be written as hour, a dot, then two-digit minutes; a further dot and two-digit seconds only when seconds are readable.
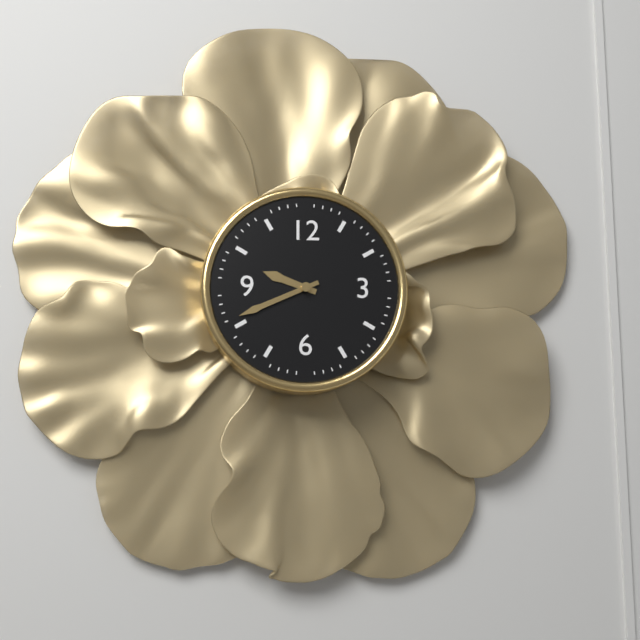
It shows 9.41
